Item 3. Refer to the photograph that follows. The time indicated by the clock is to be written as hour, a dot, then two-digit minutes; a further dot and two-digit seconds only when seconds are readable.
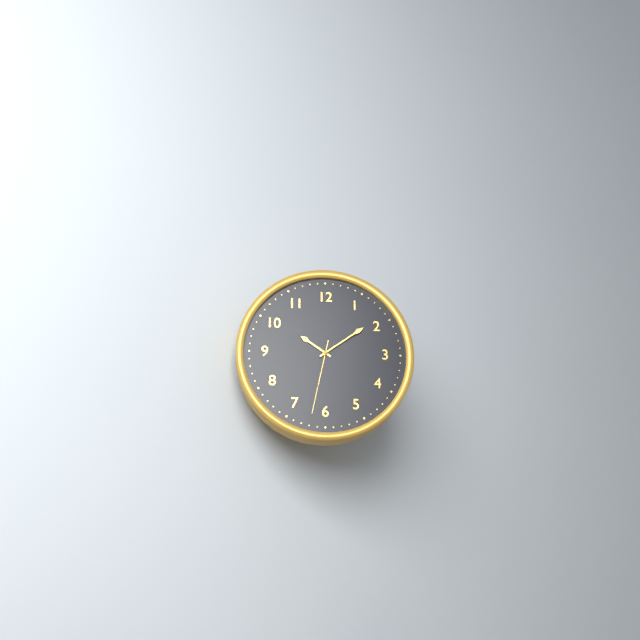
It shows 10.09.32
